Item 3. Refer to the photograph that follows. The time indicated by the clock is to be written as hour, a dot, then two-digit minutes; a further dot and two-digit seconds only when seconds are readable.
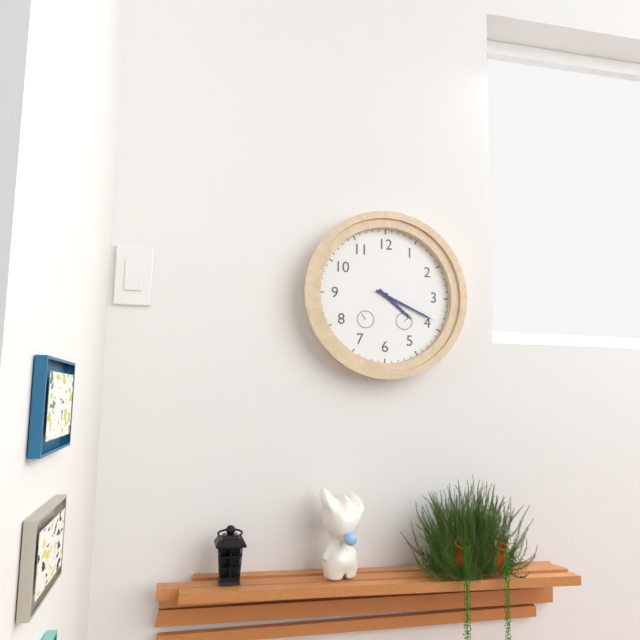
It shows 4.19
